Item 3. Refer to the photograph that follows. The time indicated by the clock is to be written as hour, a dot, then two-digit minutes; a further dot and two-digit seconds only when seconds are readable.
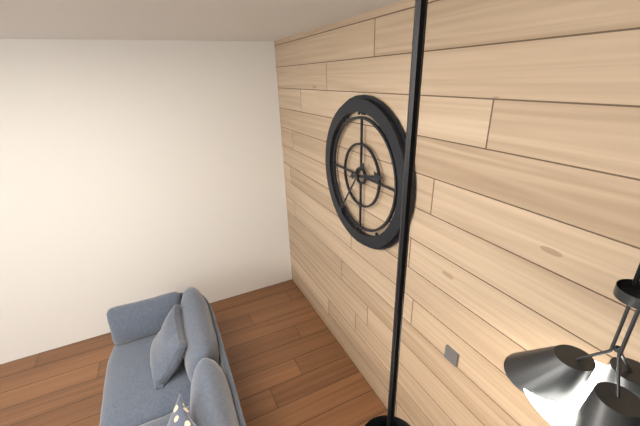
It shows 2.36
